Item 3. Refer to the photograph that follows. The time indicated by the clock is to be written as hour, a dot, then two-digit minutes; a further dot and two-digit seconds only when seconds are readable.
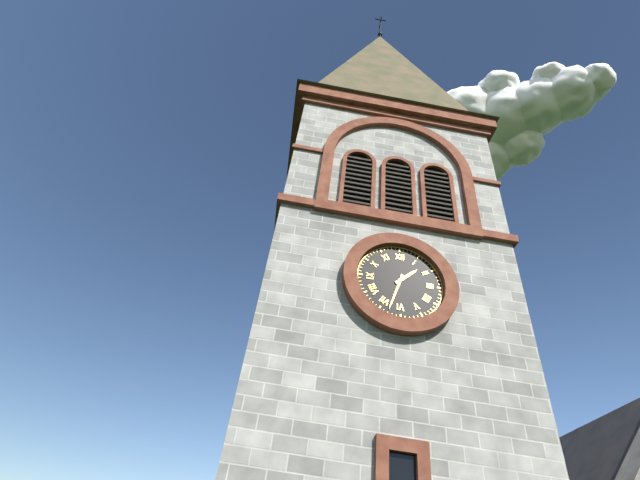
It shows 1.33
